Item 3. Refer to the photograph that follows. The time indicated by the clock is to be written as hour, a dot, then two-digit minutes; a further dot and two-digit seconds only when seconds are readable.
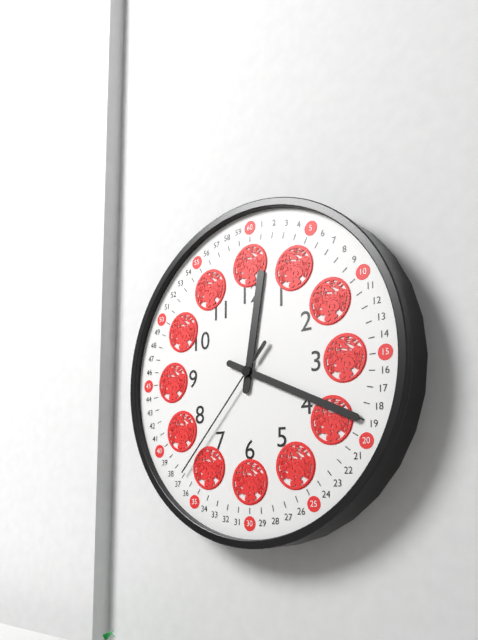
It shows 12.19.37
